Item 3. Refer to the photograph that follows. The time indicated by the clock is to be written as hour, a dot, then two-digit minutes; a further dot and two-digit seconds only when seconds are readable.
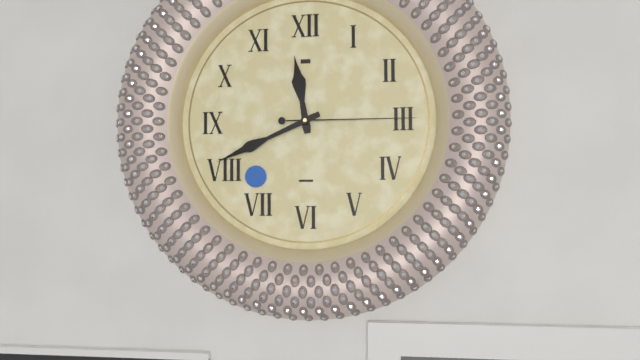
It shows 11.41.15
